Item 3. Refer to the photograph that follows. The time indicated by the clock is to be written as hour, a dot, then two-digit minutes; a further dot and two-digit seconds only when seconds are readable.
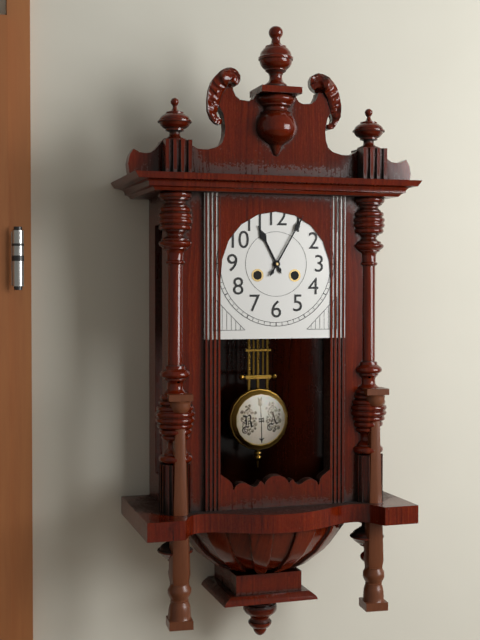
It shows 11.05
